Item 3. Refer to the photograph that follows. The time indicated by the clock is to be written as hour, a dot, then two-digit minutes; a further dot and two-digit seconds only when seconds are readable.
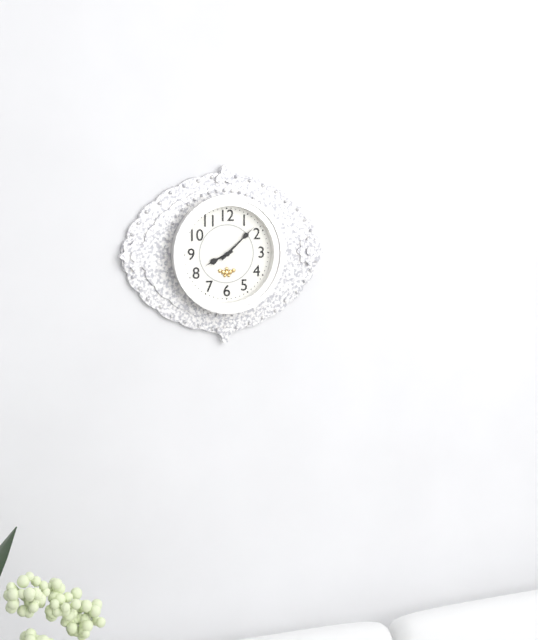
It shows 8.08
